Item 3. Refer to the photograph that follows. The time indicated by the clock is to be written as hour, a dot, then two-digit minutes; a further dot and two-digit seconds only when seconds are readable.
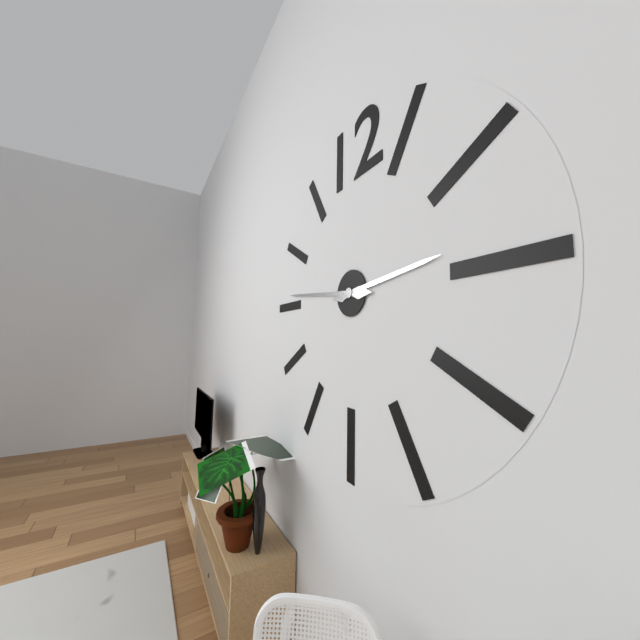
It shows 2.46
